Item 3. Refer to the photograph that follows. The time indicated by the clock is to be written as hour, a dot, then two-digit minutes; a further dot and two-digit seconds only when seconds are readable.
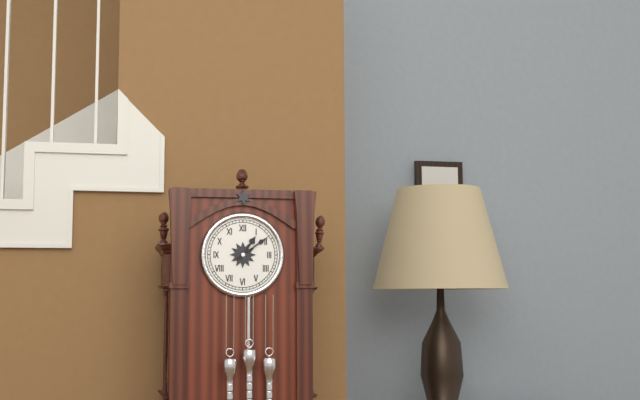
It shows 1.09
